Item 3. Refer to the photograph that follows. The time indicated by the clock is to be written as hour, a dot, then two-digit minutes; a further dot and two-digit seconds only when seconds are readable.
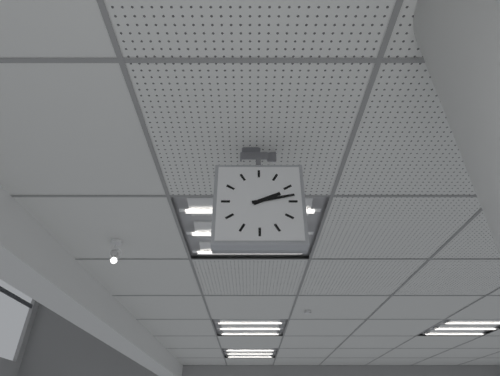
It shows 2.13
